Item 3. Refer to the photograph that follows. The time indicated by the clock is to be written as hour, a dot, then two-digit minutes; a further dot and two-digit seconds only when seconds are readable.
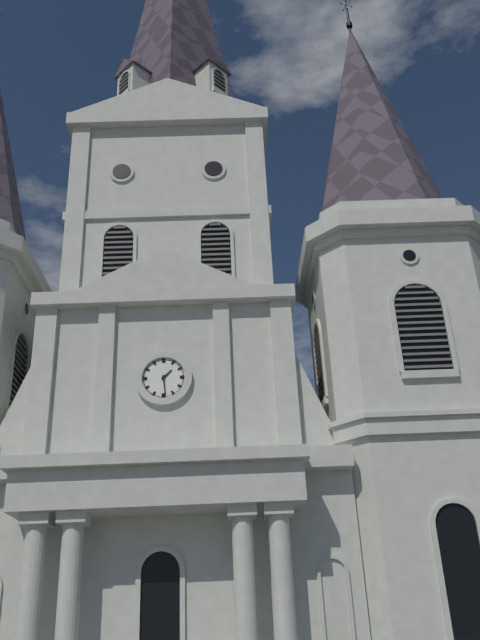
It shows 1.29
